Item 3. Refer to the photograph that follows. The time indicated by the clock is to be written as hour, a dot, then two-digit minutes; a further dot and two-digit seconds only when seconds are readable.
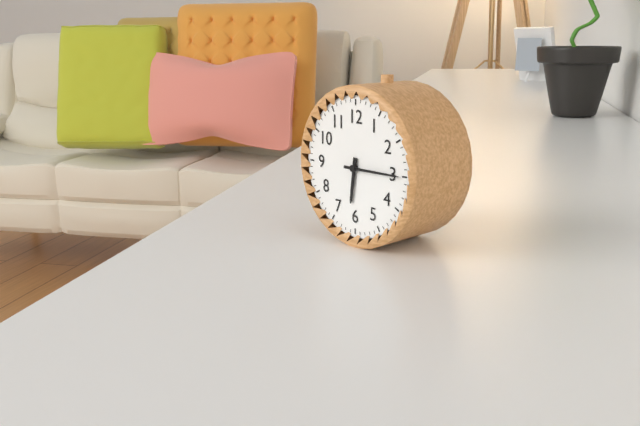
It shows 6.15
